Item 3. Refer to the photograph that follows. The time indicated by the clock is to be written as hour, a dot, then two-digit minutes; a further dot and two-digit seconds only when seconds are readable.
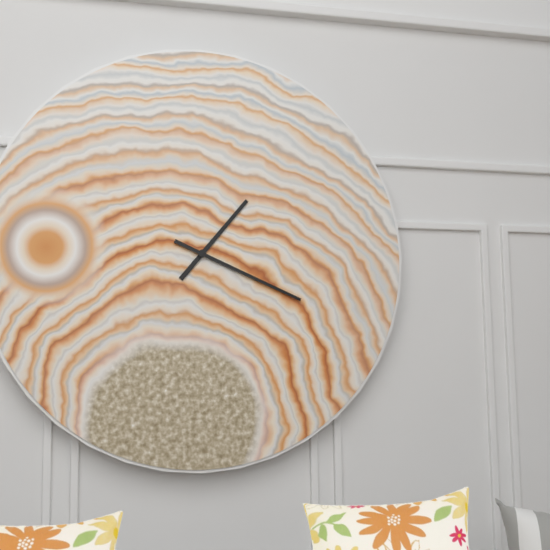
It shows 1.19
